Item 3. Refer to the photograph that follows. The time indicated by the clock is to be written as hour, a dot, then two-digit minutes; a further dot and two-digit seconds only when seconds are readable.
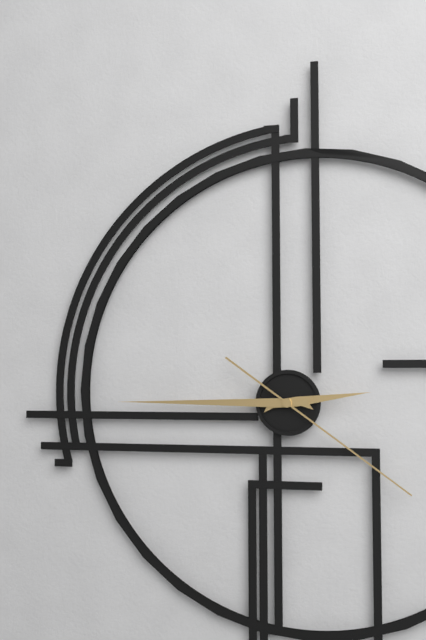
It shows 2.45.21
